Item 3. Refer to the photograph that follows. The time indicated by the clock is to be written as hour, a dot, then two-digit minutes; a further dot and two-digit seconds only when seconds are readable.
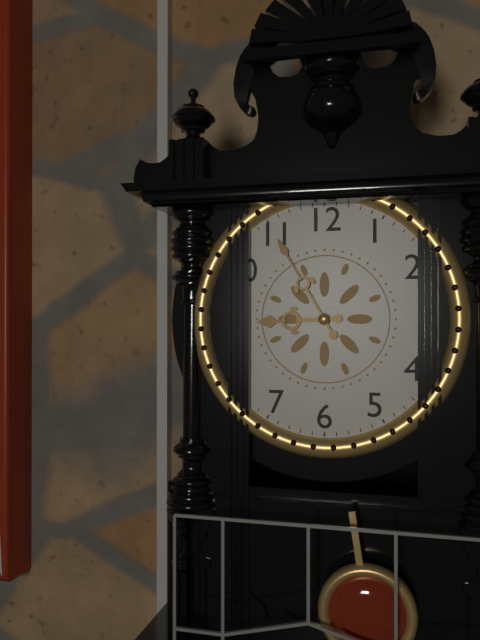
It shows 8.55
